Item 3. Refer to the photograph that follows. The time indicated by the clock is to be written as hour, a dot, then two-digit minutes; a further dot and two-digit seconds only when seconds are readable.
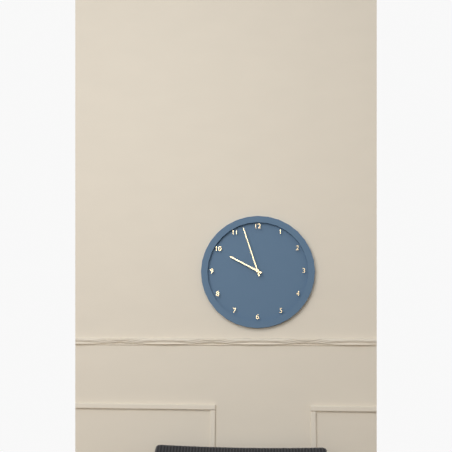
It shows 9.57
